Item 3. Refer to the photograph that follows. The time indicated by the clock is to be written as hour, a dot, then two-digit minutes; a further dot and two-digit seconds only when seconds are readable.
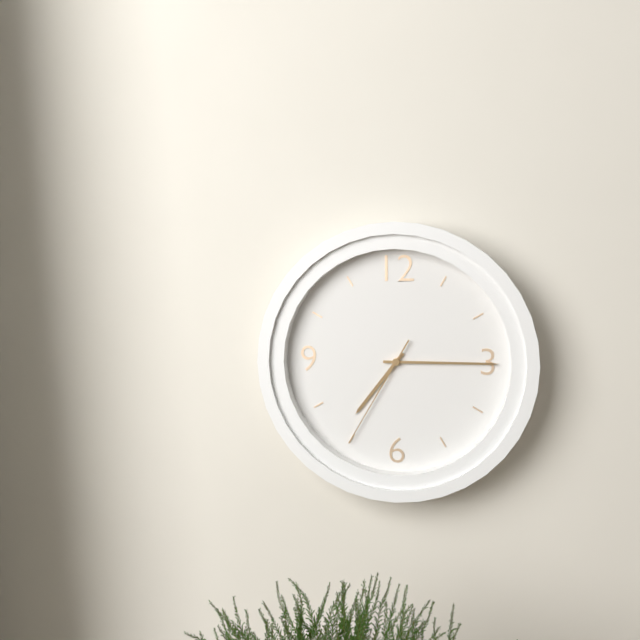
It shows 7.15.35
